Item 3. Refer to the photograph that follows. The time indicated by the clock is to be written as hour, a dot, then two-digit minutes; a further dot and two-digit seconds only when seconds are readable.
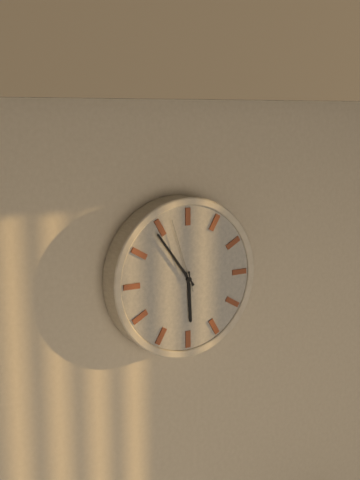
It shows 5.54.57
